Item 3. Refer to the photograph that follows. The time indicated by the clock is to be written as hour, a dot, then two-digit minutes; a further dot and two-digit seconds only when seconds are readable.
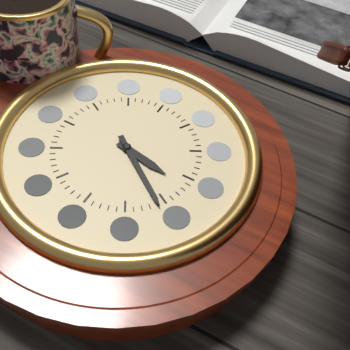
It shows 3.21
